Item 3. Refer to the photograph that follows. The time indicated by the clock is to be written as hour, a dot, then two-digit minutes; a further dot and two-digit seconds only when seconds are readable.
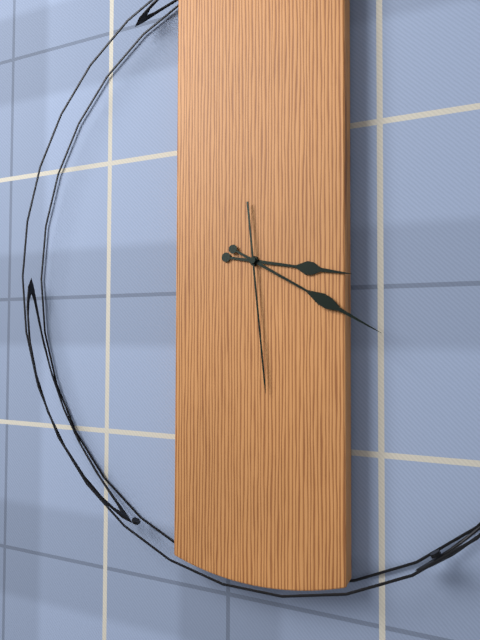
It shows 3.20.29
